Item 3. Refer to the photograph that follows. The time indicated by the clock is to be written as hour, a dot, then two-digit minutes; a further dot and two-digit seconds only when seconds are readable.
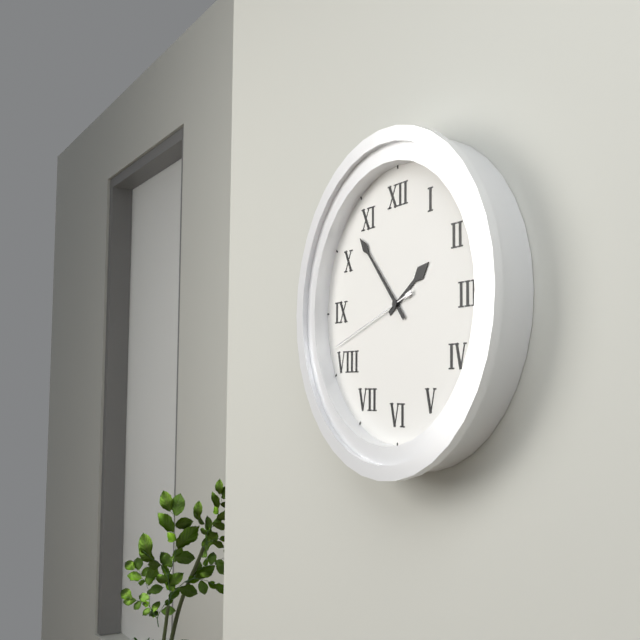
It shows 1.53.42
